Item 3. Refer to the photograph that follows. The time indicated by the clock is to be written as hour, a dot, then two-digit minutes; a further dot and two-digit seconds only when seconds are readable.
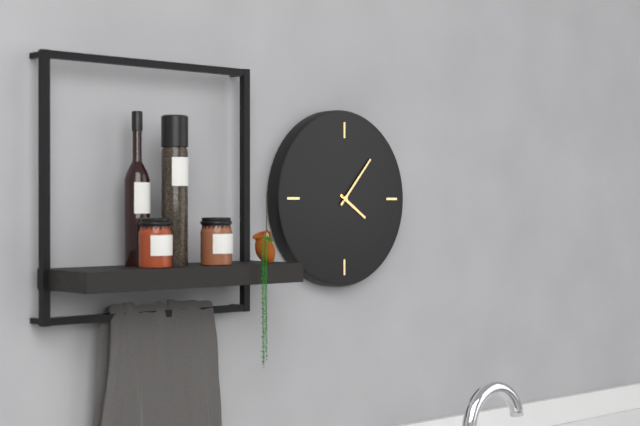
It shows 4.07
